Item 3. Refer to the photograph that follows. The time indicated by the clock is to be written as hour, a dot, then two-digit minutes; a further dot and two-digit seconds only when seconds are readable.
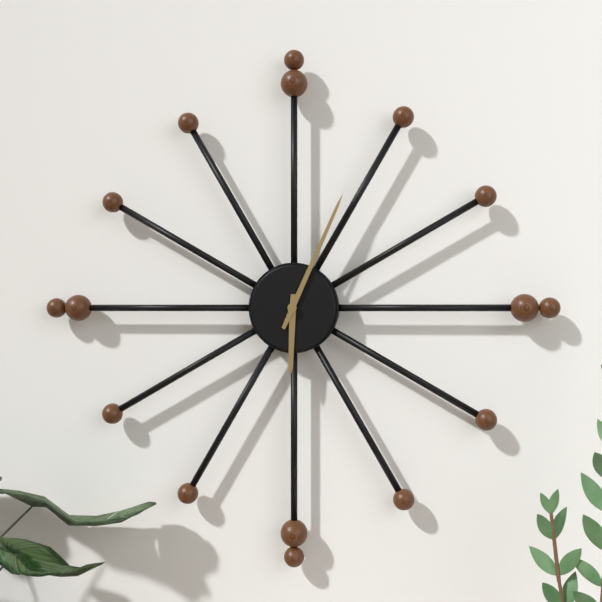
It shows 6.04
